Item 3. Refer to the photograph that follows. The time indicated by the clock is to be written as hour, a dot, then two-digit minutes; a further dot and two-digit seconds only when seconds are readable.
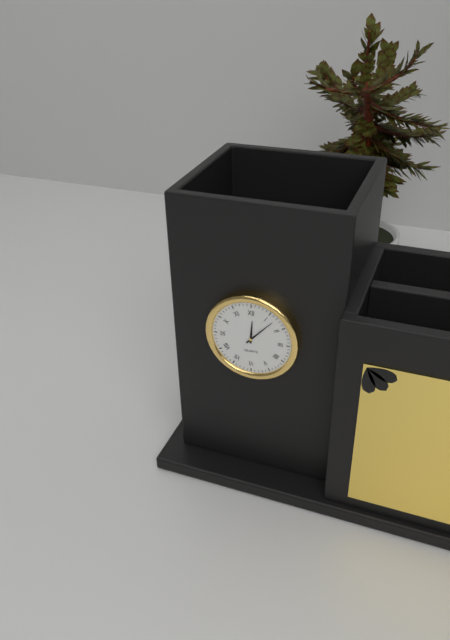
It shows 12.07
